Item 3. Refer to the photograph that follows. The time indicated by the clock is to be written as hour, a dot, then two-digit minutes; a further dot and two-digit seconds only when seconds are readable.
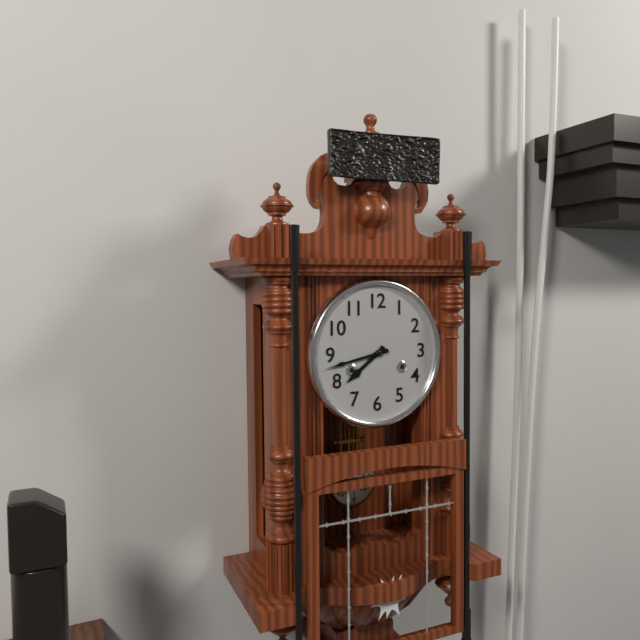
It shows 7.43
